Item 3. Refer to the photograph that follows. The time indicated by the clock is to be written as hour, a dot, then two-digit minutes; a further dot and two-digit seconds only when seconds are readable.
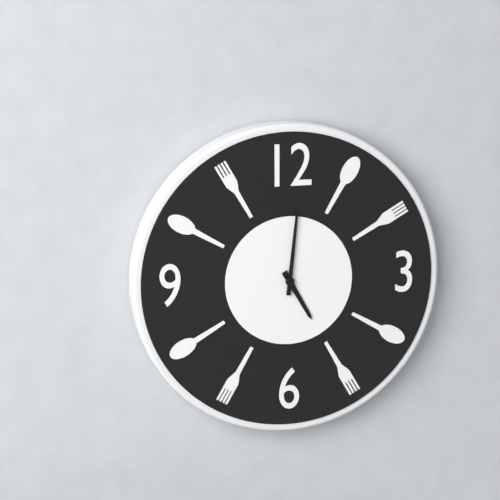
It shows 5.01
